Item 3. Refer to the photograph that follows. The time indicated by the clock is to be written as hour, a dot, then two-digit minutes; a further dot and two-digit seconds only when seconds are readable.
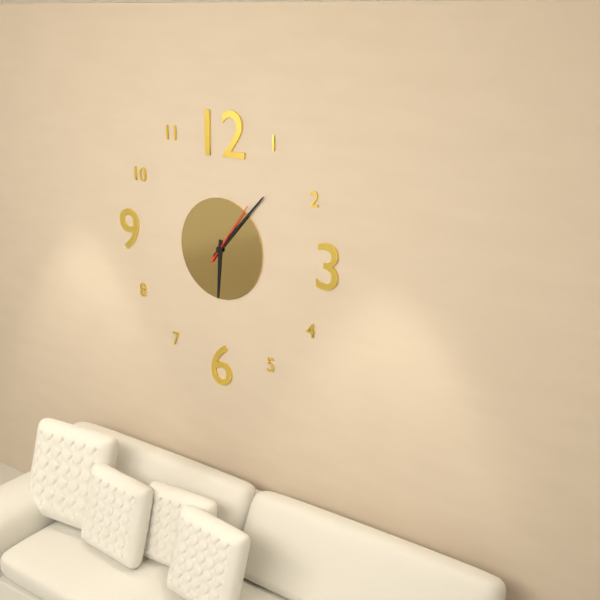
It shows 6.07.06
